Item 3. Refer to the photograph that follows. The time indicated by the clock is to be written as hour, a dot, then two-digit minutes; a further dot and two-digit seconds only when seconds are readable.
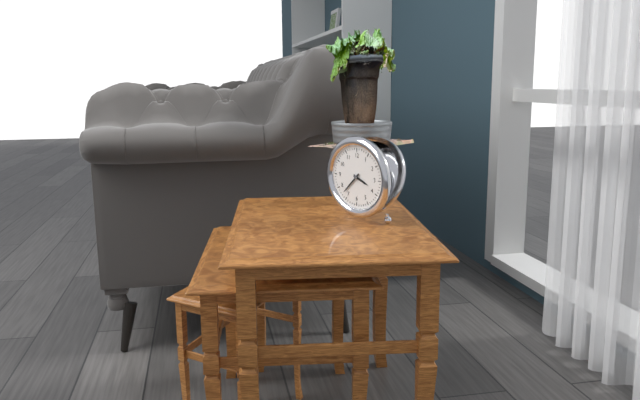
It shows 3.38
